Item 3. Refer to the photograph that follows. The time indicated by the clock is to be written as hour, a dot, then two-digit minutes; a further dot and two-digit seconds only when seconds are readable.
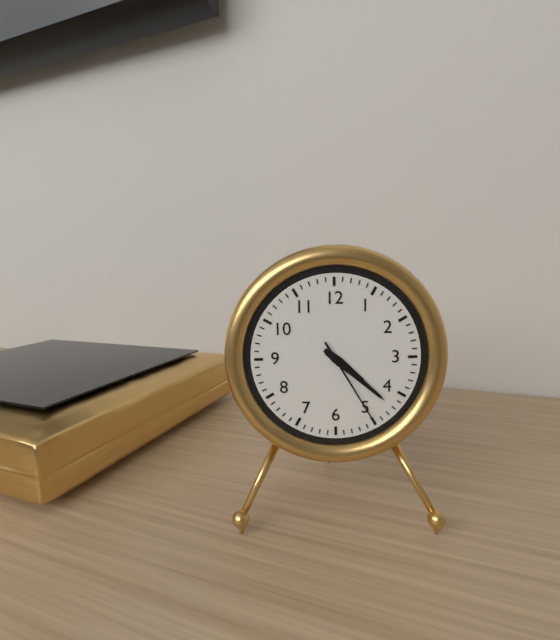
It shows 4.22.25
